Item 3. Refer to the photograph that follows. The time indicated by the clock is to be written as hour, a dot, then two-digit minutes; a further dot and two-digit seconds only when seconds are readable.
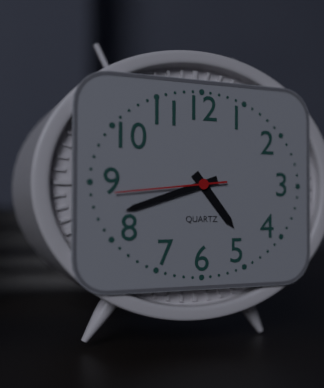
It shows 4.42.44
